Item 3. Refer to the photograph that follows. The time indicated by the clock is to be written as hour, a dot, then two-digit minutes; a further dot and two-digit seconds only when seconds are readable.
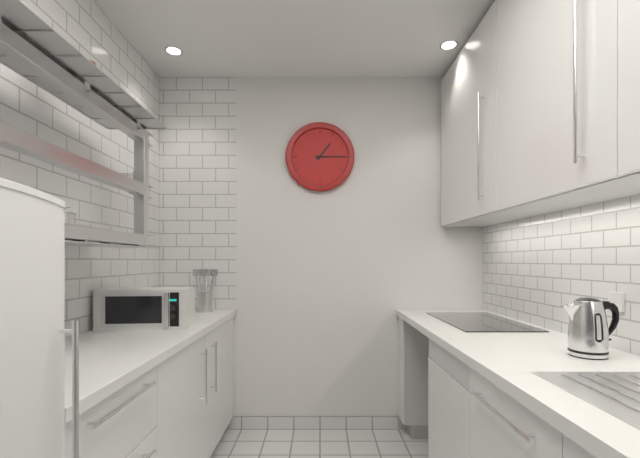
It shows 1.15
